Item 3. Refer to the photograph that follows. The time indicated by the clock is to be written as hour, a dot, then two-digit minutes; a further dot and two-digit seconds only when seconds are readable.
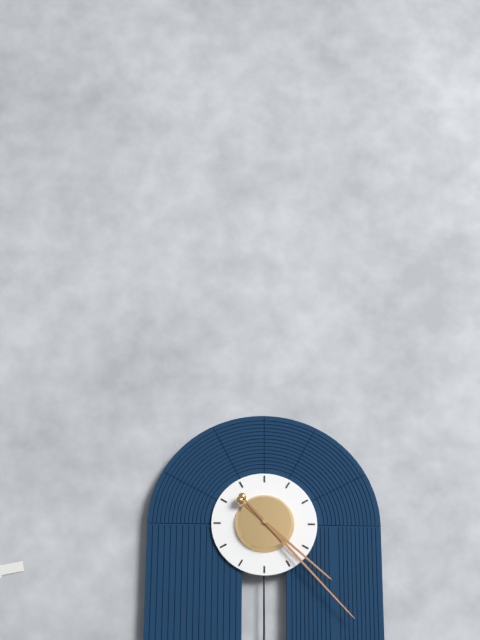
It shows 4.23
